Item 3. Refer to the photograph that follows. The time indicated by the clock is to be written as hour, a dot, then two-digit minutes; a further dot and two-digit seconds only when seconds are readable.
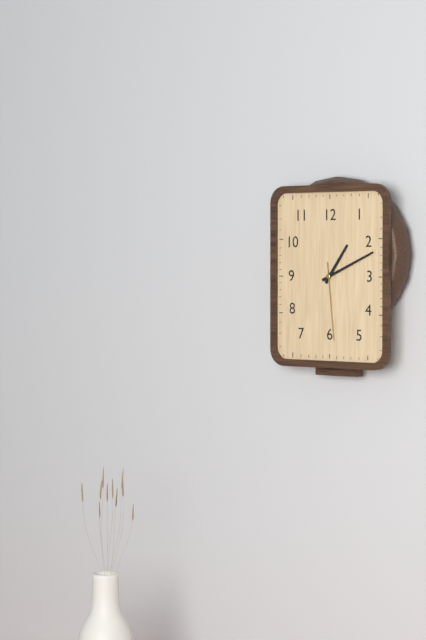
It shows 1.11.29
